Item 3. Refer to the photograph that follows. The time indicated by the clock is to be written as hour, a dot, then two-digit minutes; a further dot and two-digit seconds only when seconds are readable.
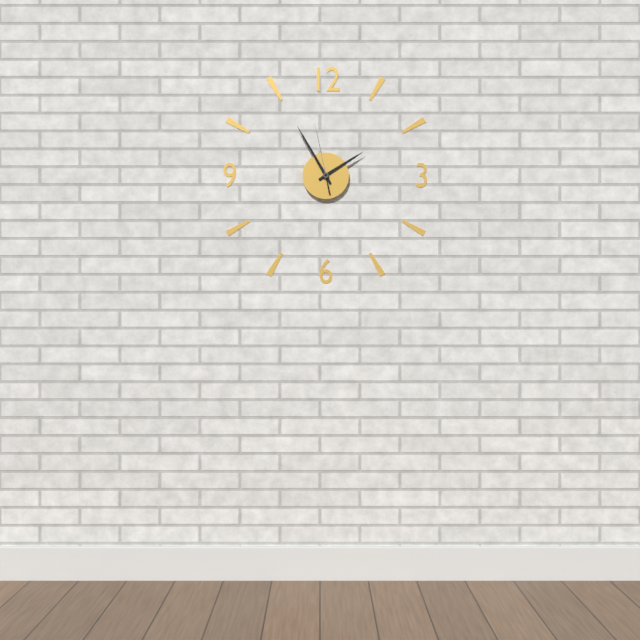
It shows 1.55.58
